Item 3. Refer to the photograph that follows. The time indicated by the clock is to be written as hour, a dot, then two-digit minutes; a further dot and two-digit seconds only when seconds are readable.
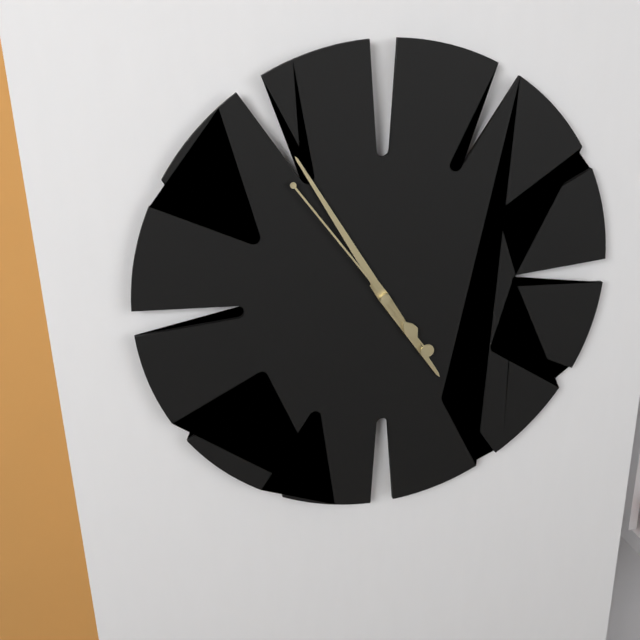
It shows 4.55.54
